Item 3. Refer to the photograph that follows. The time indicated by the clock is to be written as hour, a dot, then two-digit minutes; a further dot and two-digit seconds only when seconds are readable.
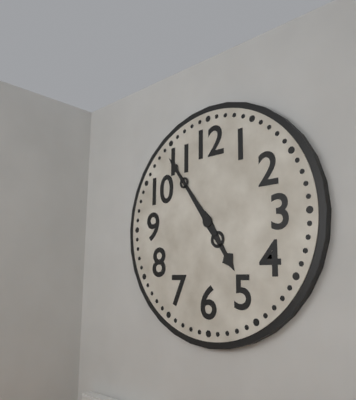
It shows 4.54
